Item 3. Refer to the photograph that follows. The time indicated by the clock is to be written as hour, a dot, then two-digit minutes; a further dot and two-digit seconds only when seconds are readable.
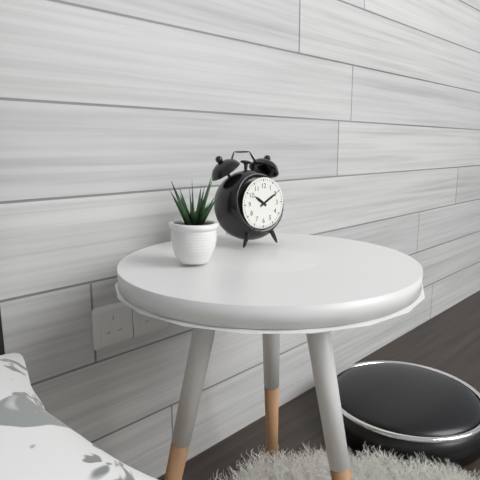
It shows 10.10
